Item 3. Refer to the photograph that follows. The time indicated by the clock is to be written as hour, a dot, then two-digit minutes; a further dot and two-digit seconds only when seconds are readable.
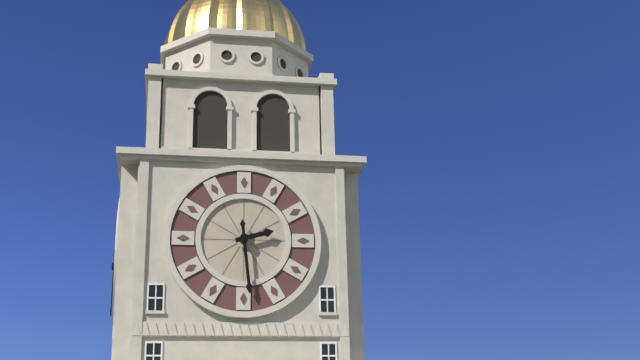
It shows 2.29
